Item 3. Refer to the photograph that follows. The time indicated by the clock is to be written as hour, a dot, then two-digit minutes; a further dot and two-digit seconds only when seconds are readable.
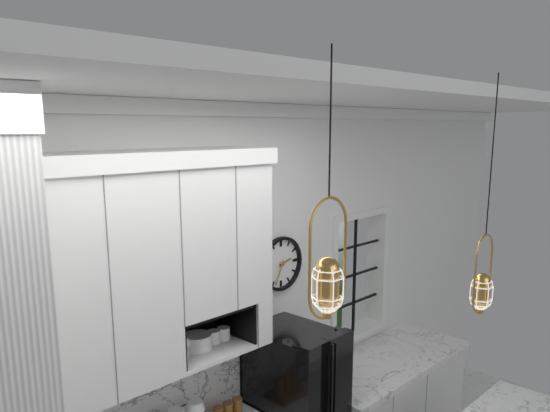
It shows 2.34
